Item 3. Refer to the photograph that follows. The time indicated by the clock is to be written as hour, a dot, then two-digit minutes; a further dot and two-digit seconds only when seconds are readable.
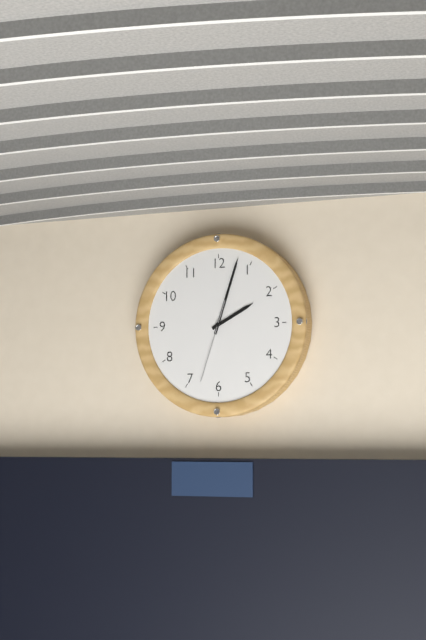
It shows 2.03.33
